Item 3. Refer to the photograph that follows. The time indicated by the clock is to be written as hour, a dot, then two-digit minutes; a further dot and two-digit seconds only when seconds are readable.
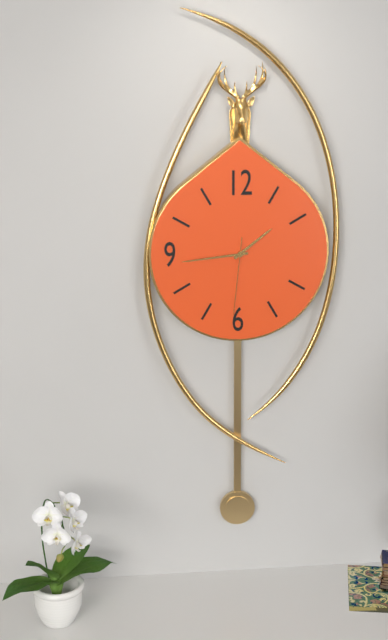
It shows 1.44.31
